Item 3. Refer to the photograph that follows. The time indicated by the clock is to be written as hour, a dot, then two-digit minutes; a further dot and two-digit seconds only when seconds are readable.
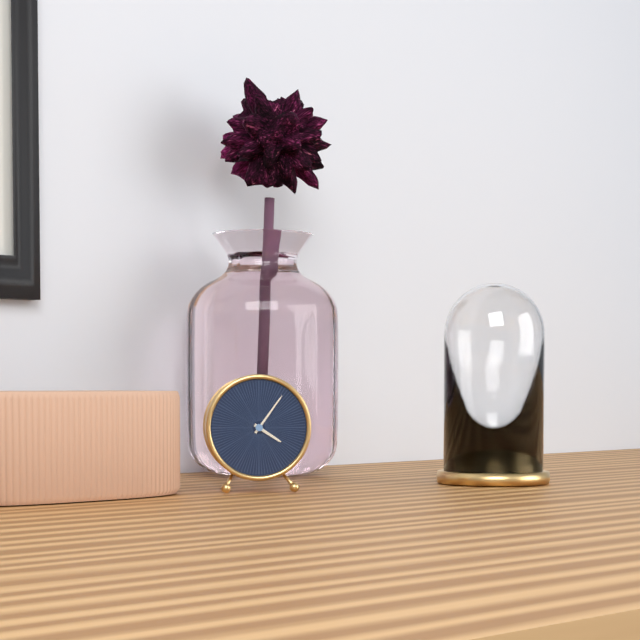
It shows 4.06
